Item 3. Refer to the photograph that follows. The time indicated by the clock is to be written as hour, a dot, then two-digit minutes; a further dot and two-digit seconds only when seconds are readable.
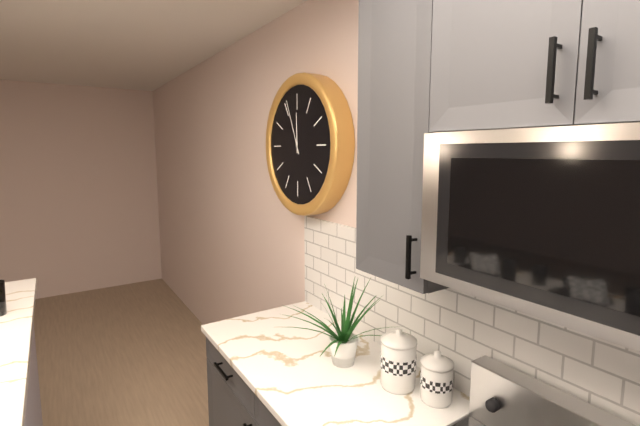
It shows 11.56
